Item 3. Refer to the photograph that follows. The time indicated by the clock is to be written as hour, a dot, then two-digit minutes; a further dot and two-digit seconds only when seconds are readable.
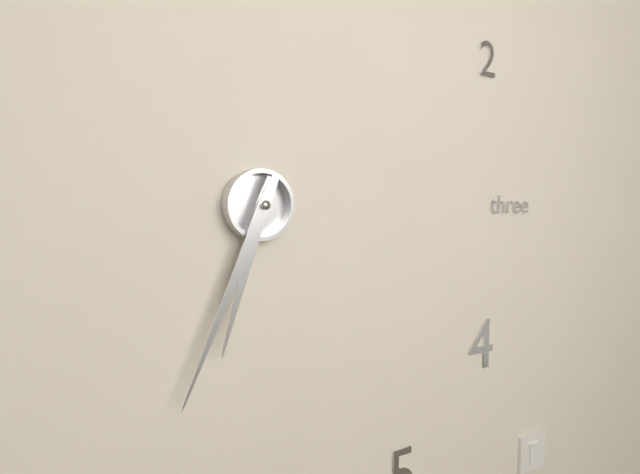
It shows 6.34
